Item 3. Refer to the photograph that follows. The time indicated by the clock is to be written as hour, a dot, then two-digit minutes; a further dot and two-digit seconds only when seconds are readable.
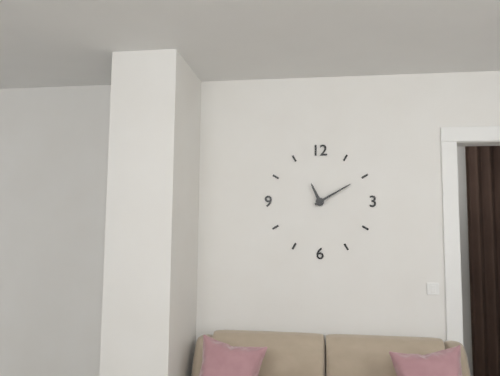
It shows 11.10
